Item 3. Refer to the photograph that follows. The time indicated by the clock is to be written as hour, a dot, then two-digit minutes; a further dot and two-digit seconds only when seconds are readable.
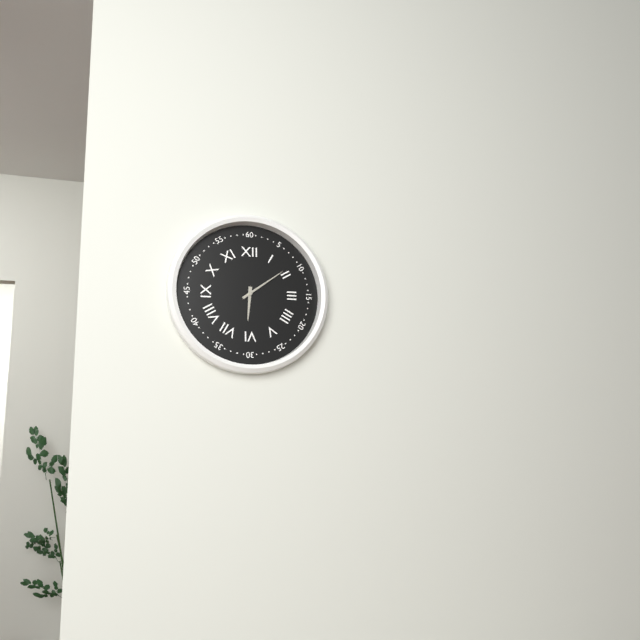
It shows 6.09
